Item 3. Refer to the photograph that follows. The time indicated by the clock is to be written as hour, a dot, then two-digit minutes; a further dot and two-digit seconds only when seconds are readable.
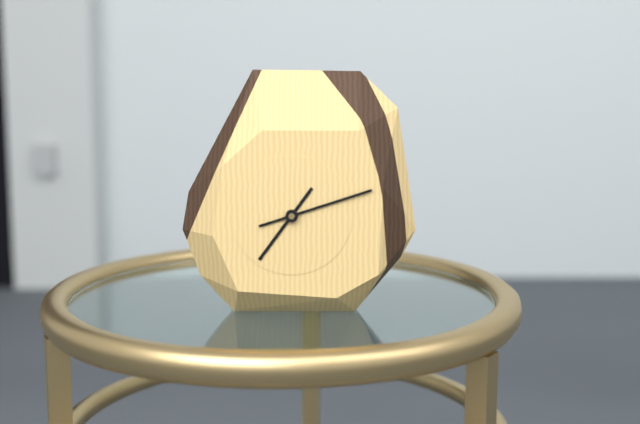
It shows 7.12
